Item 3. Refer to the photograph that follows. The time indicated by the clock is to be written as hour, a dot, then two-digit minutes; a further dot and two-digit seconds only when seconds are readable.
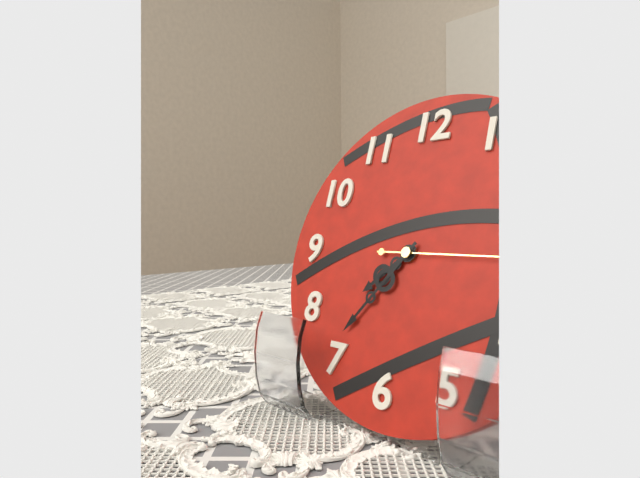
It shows 7.36.15
